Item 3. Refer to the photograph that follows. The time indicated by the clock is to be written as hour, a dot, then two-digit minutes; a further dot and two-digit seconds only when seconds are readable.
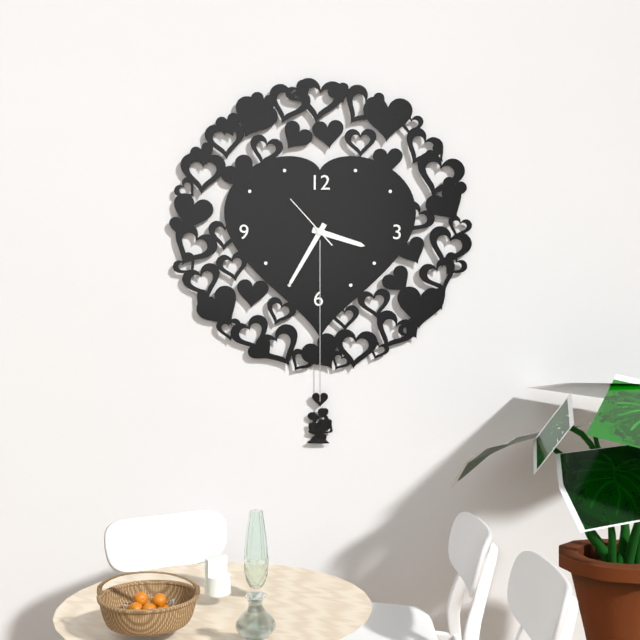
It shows 3.35.53
